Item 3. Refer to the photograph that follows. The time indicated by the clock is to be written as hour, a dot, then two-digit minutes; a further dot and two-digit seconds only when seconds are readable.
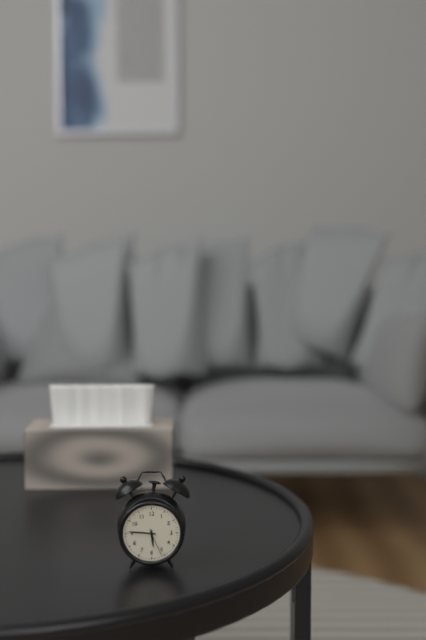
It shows 5.46
